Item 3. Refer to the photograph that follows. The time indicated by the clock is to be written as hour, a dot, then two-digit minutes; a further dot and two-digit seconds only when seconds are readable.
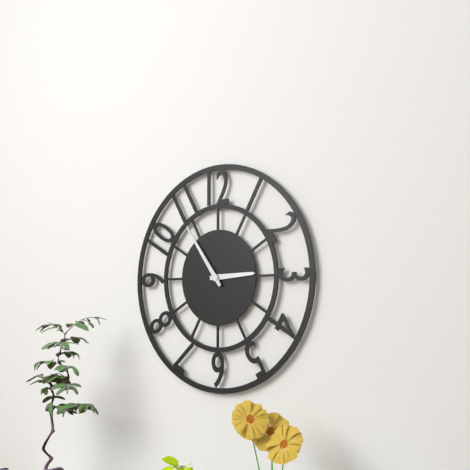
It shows 2.54
